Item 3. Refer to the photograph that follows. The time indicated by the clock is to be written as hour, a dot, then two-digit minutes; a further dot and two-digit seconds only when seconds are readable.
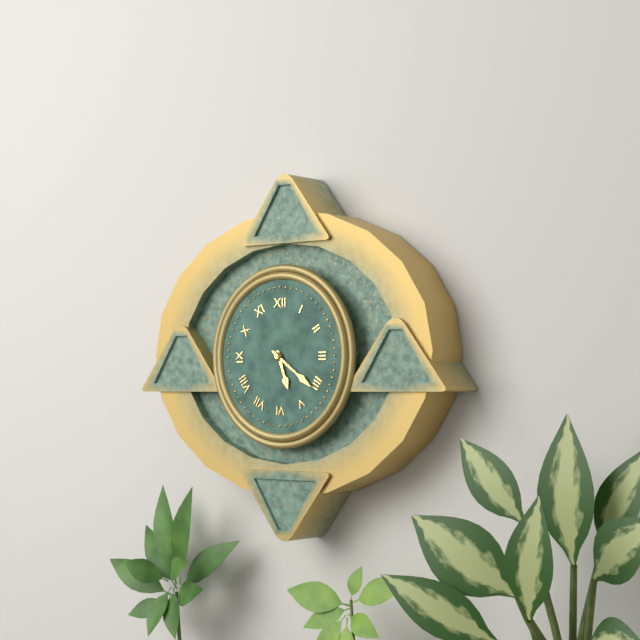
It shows 5.21
